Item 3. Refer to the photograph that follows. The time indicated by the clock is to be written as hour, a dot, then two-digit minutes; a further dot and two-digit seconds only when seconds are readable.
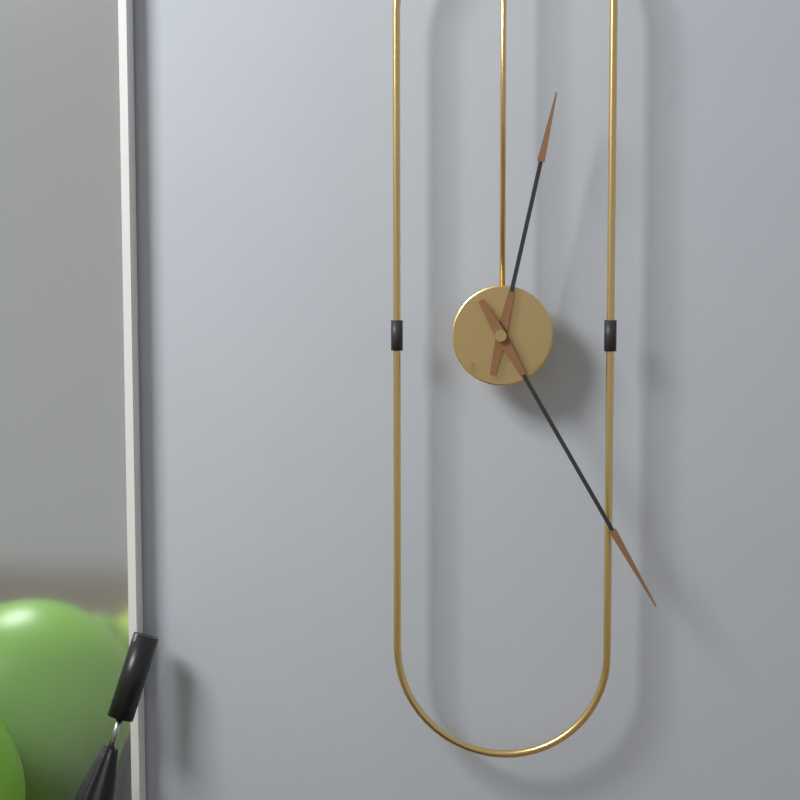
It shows 12.25
